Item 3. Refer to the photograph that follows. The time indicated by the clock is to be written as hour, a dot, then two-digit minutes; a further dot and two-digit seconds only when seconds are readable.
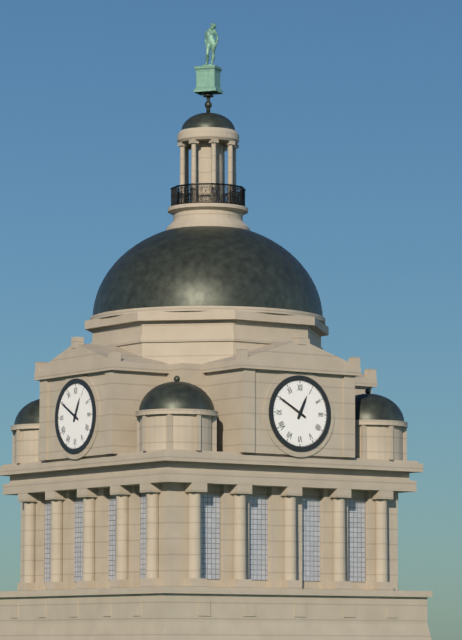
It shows 12.50
